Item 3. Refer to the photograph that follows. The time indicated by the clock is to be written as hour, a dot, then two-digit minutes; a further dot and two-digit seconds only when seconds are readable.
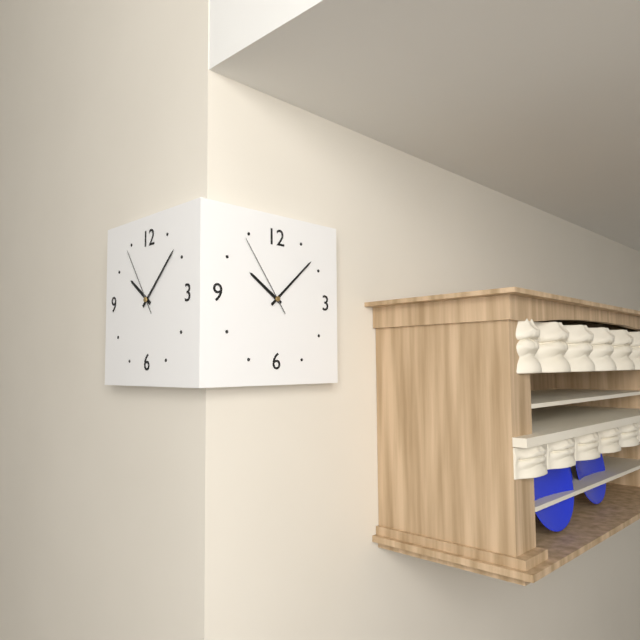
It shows 10.08.54
